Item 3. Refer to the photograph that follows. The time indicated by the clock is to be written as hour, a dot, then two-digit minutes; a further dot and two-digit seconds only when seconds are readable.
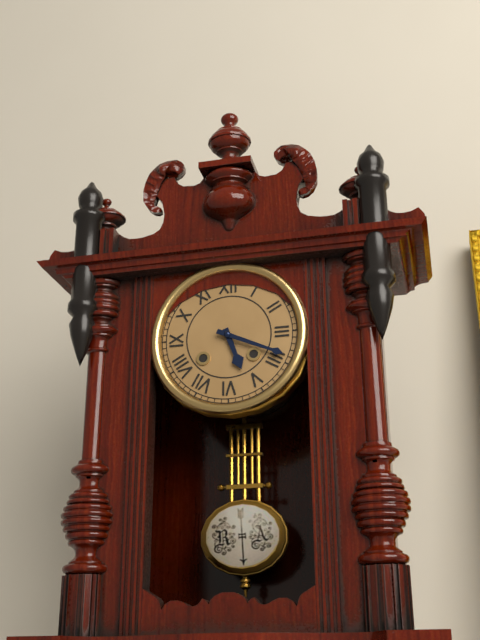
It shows 5.19
